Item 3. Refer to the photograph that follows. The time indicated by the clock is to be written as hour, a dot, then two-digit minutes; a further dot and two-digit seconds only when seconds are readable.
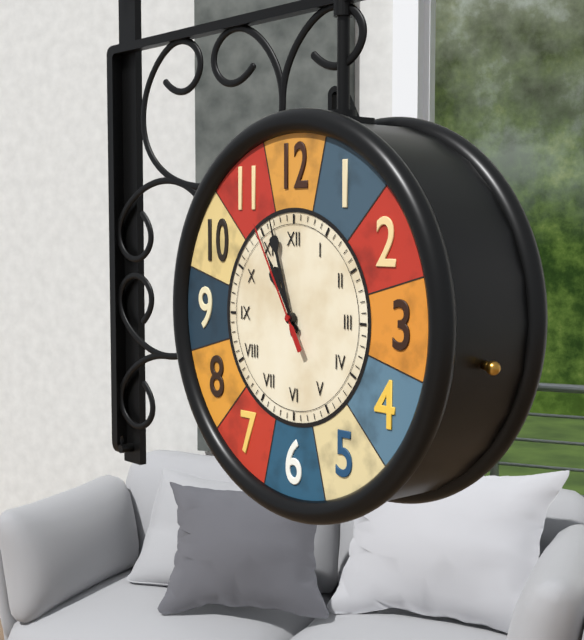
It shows 10.57.55
